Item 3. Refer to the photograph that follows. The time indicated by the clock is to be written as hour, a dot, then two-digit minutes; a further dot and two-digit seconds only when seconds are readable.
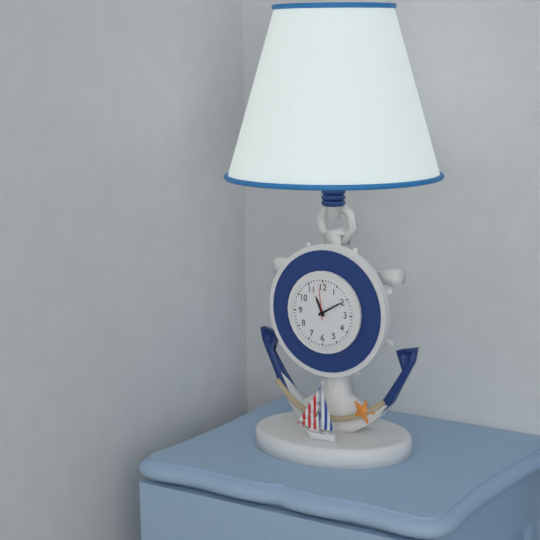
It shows 11.10
